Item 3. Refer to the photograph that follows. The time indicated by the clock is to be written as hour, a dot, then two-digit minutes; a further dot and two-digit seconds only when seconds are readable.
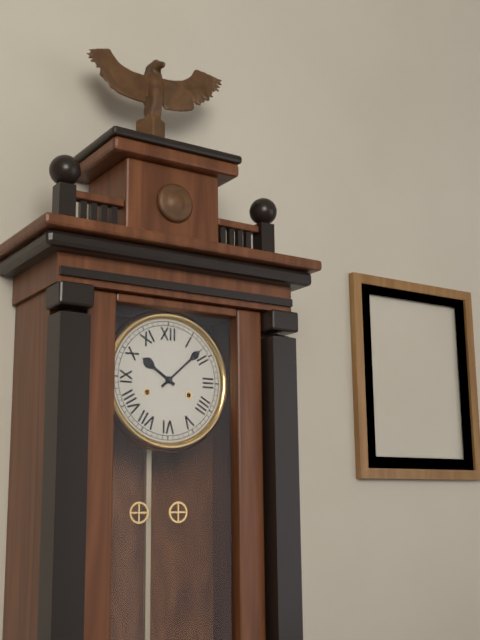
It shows 10.08
